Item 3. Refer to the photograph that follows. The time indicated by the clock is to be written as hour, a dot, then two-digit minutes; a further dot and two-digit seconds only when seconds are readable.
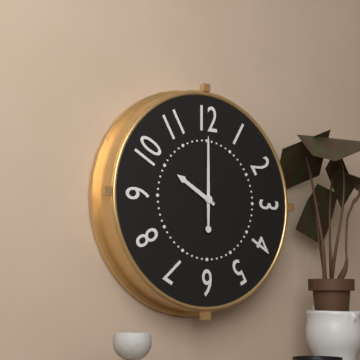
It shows 10.00
